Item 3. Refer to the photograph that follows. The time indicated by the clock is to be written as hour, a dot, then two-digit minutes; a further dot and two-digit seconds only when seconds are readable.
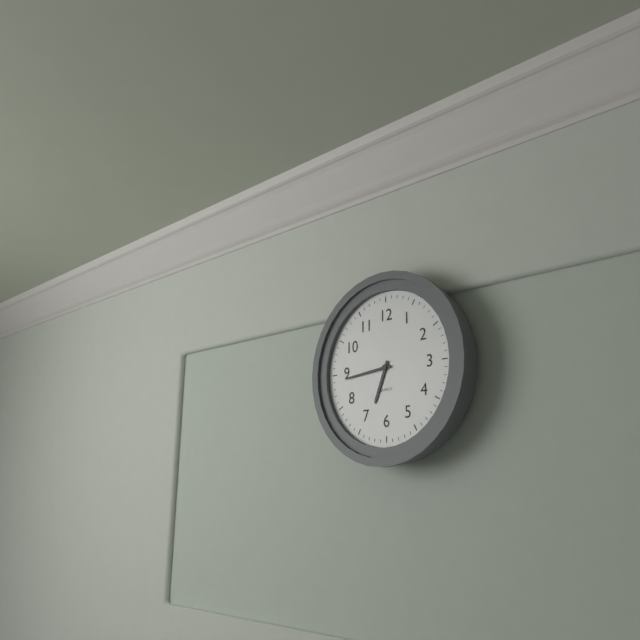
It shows 6.44
